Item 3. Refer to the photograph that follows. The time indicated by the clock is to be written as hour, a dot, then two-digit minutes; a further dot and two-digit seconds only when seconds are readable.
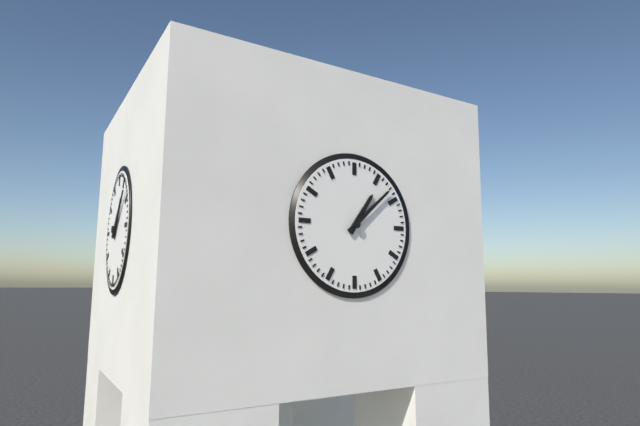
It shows 1.08
